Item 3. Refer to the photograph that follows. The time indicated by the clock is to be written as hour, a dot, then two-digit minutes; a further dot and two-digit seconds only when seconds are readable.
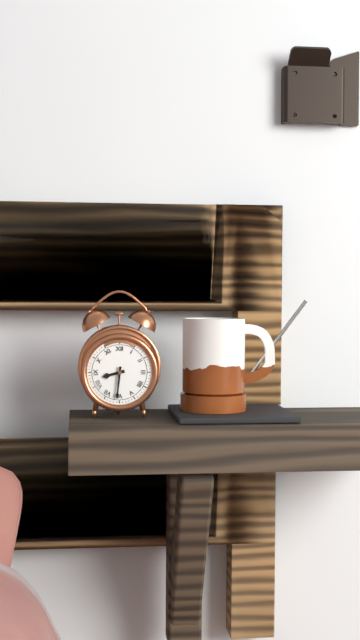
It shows 8.31
